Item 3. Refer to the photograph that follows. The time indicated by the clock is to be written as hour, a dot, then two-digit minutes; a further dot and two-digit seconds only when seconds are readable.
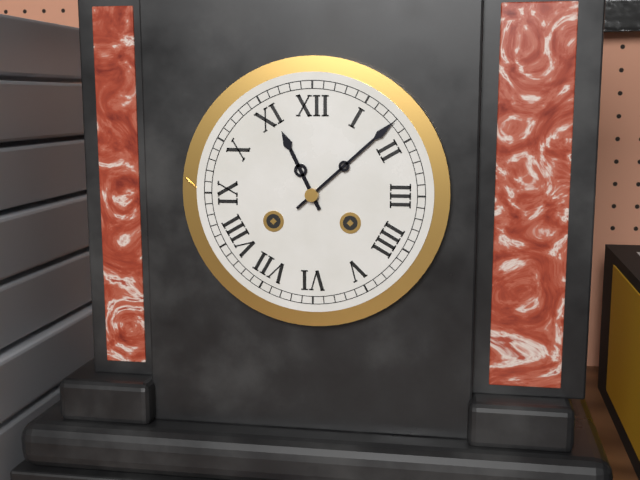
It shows 11.08
